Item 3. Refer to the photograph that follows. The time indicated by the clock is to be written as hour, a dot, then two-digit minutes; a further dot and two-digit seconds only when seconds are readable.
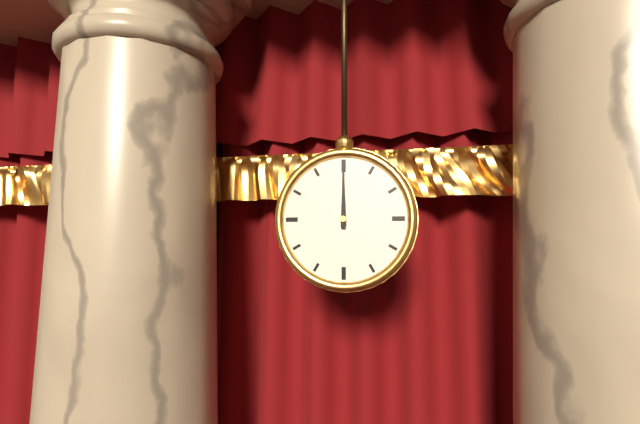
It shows 12.00
